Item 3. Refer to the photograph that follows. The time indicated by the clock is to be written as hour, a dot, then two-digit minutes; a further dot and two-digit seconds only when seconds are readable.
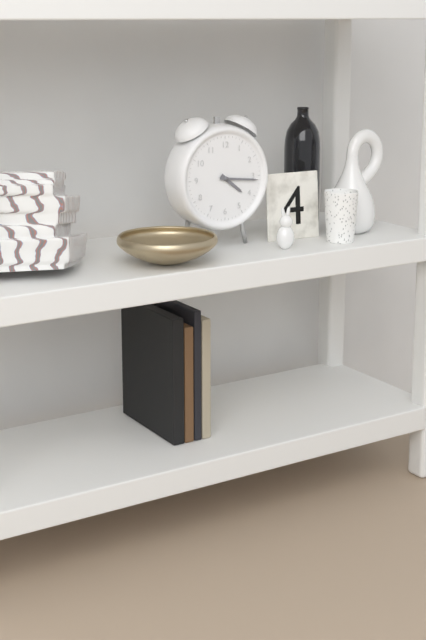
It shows 4.16
